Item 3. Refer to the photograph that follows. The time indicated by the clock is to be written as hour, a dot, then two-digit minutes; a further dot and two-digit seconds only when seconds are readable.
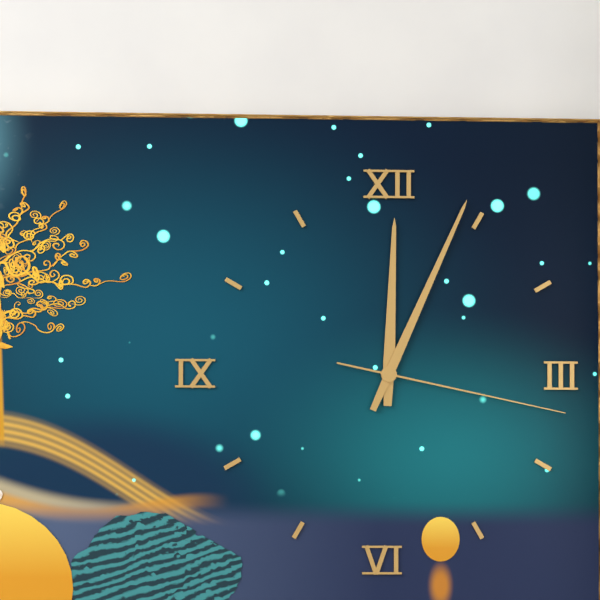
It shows 12.04.17
